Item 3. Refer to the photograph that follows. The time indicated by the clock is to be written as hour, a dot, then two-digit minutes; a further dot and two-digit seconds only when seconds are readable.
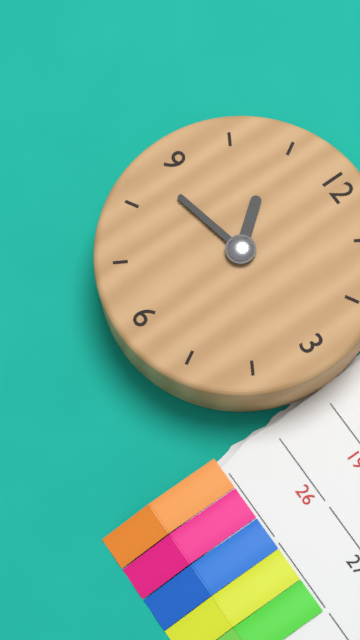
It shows 10.43
